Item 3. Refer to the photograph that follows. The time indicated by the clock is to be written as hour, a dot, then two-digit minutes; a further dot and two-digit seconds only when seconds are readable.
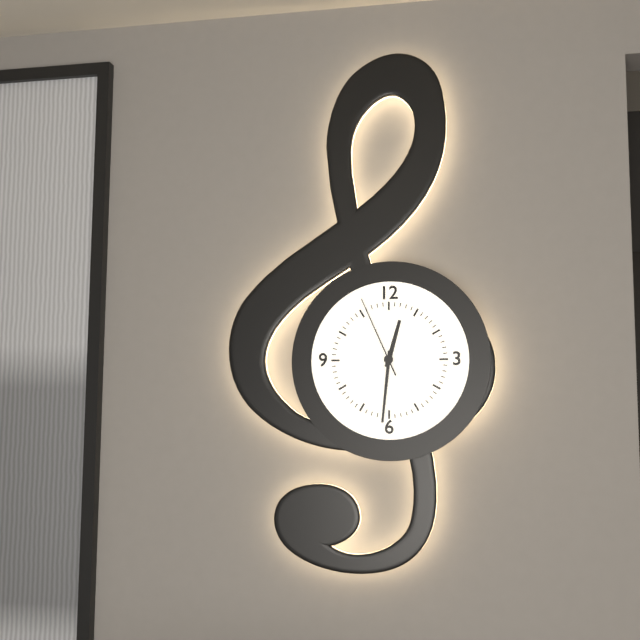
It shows 12.31.56
